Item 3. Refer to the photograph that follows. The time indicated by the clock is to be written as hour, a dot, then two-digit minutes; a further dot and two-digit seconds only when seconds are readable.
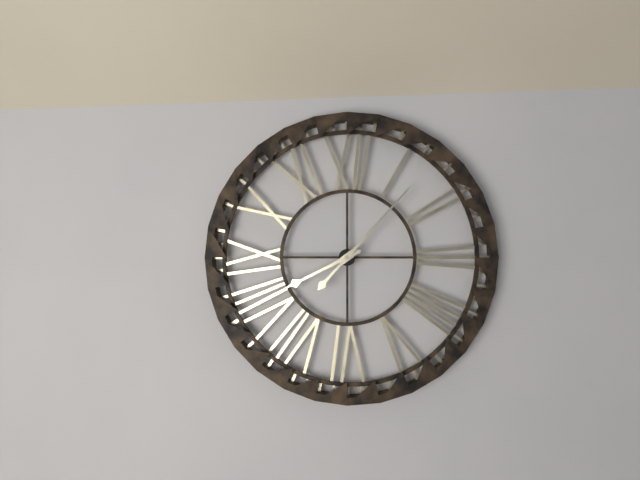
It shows 8.07
